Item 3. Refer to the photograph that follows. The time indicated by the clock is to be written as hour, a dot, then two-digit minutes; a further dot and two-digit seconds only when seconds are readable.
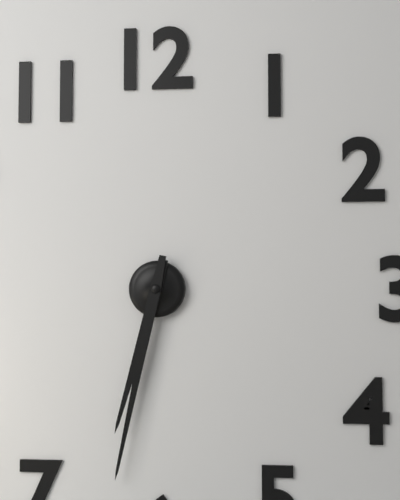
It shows 6.32
